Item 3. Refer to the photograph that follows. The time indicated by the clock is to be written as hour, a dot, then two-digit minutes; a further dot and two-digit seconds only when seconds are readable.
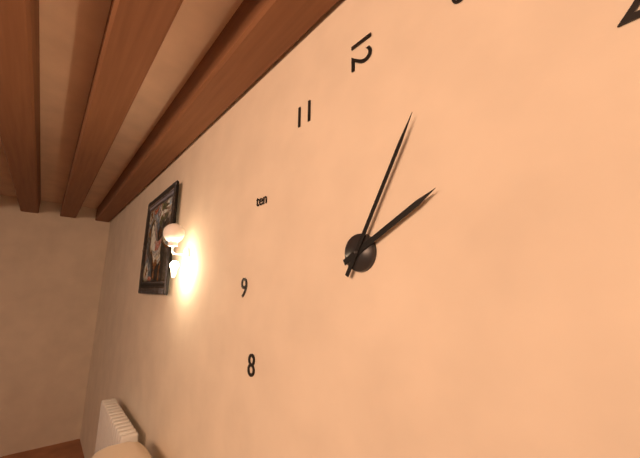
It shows 2.05
